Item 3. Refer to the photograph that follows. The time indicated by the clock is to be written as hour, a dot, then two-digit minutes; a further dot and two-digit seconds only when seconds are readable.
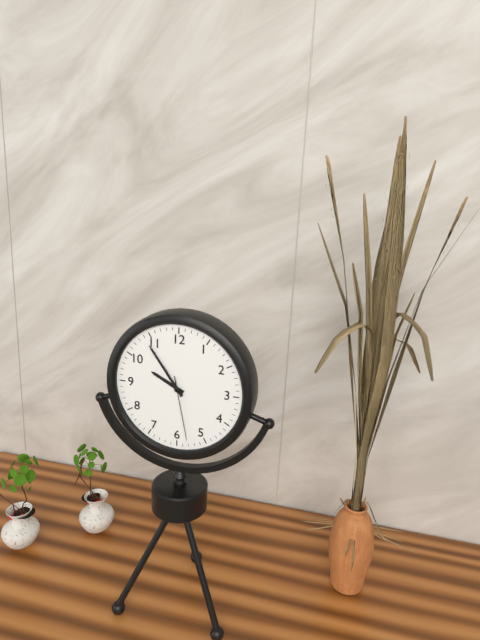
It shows 9.54.28
